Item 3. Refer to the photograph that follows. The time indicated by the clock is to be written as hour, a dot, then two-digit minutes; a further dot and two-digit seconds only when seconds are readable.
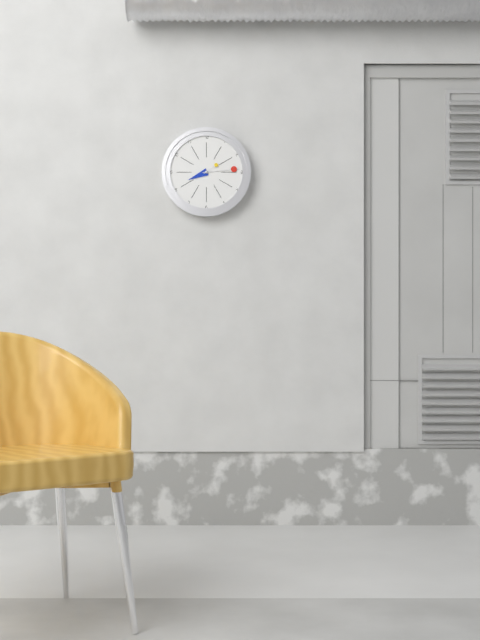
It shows 8.14
